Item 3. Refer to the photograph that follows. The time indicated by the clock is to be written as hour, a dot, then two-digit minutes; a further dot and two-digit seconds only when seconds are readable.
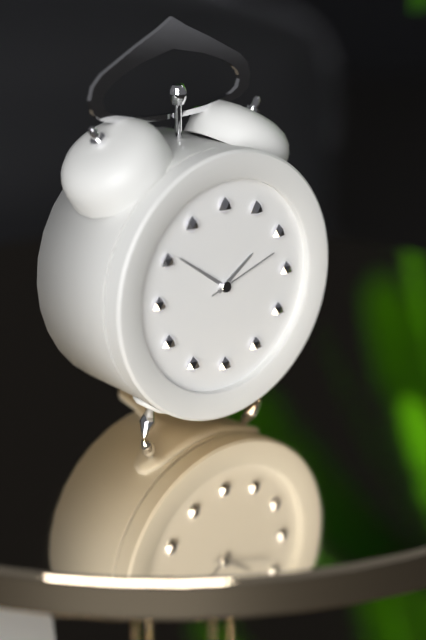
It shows 1.51.12
